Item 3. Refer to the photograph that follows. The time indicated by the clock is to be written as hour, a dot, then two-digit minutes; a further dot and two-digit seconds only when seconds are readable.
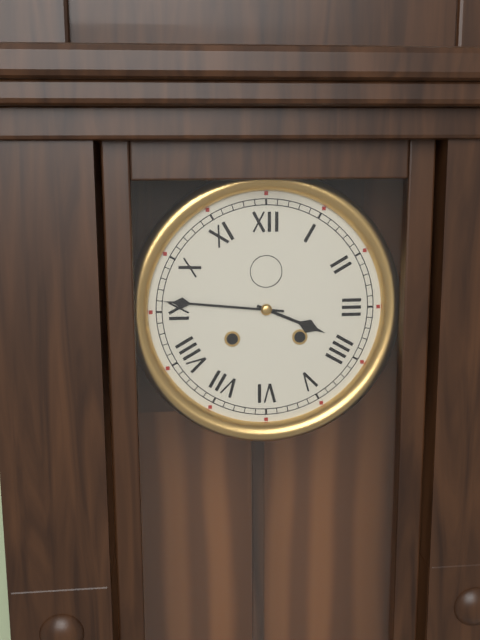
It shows 3.46
